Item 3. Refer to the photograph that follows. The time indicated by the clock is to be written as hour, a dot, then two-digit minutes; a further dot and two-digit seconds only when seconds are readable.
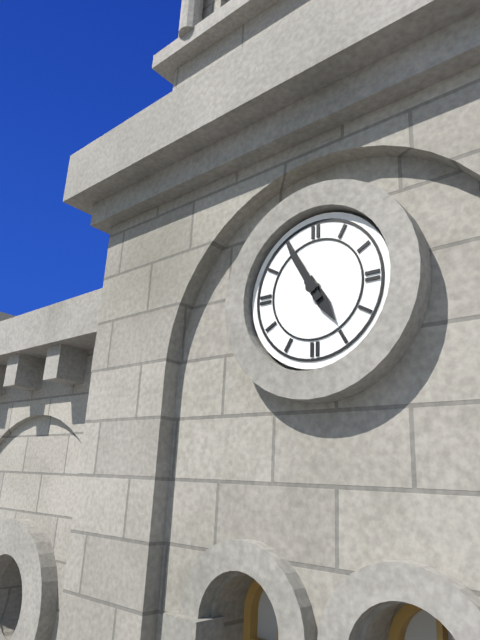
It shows 4.55
